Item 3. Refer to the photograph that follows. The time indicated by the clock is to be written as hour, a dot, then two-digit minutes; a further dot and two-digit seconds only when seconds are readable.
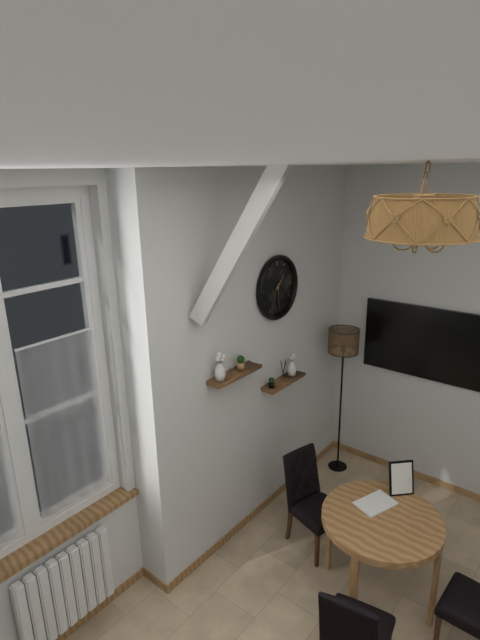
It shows 1.29
